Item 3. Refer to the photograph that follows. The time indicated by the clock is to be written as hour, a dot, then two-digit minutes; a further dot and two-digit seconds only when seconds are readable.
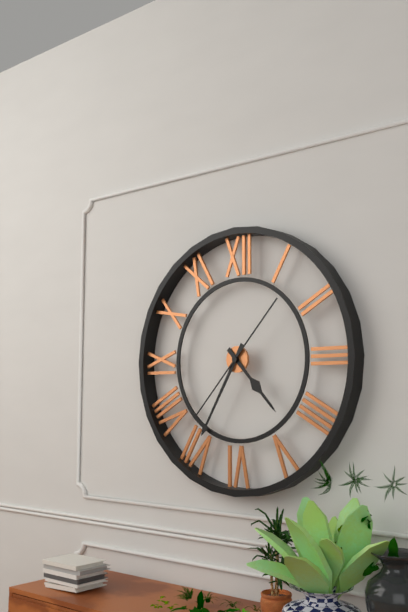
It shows 4.35.37
